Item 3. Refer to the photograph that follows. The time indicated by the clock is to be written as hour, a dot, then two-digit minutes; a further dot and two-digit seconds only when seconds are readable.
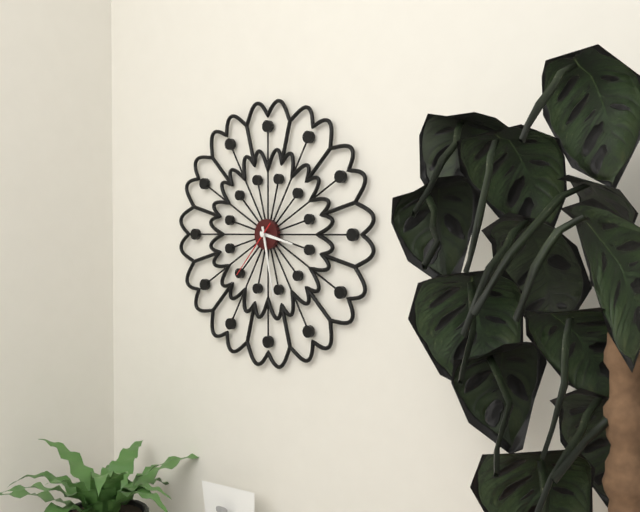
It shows 3.28.37
